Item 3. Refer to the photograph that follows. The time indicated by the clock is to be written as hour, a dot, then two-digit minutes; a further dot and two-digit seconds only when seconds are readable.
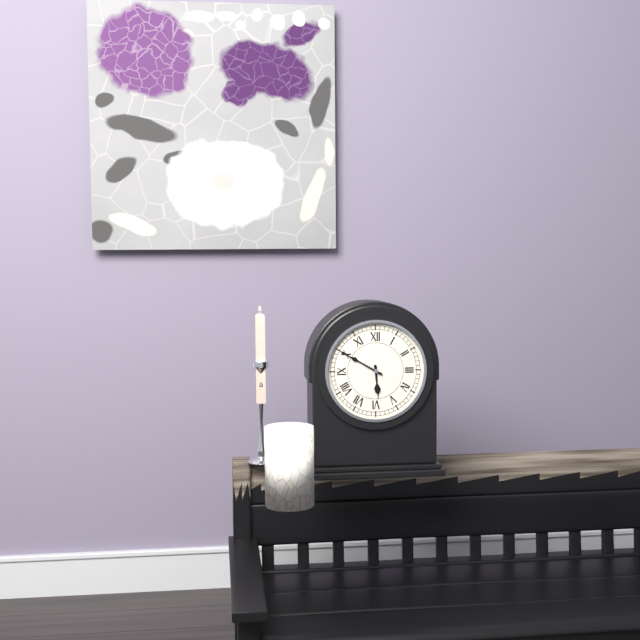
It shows 5.50
